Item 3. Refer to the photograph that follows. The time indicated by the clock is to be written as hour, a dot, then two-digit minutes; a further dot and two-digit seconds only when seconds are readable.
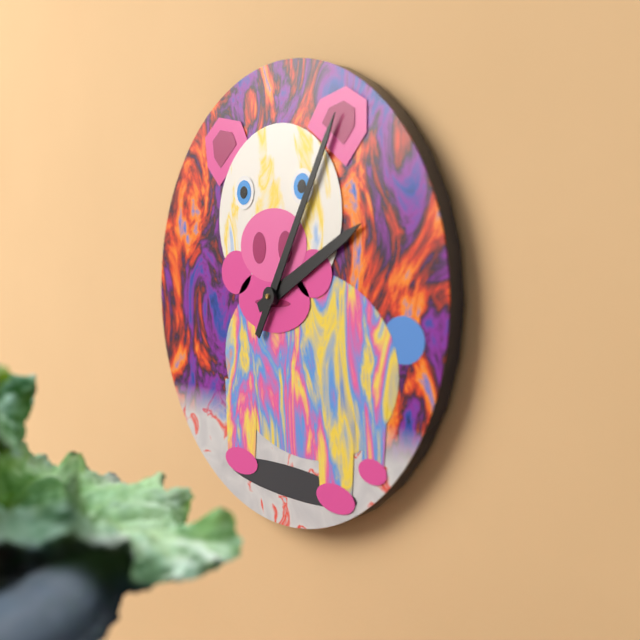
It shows 2.05
